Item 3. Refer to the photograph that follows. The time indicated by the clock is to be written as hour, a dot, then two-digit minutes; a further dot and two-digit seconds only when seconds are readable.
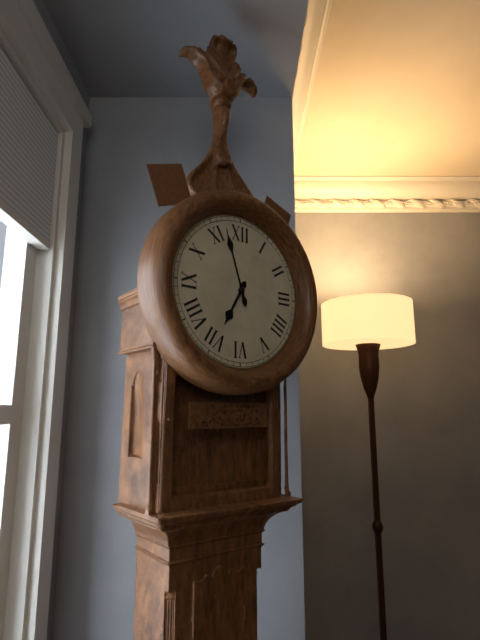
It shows 6.57
